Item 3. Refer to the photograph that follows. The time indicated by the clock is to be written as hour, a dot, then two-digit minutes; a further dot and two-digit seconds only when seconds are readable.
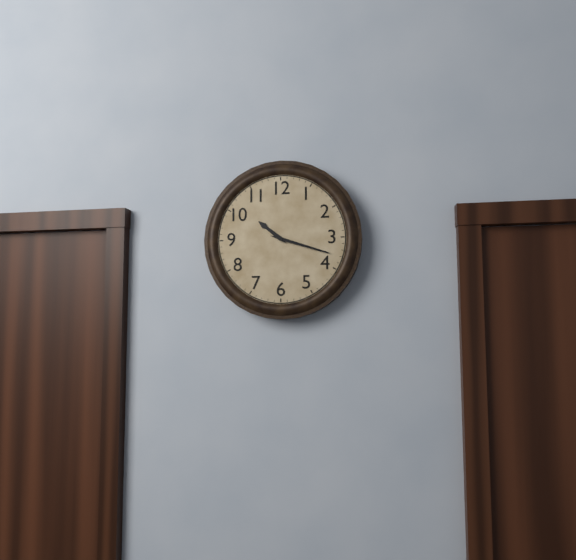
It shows 10.18
